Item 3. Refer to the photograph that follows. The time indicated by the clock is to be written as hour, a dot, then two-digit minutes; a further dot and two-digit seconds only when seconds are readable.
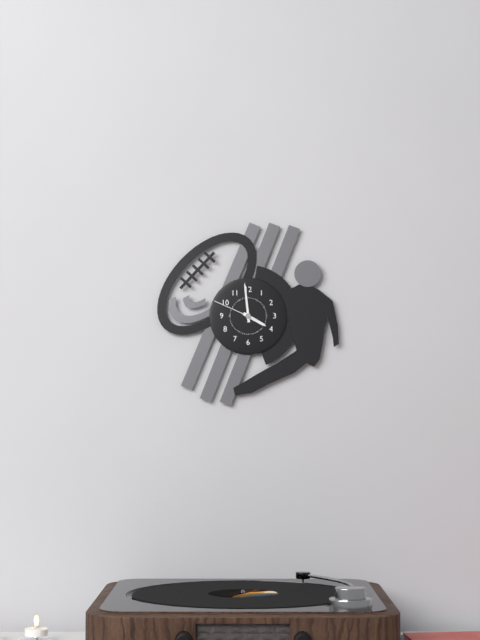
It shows 3.59
